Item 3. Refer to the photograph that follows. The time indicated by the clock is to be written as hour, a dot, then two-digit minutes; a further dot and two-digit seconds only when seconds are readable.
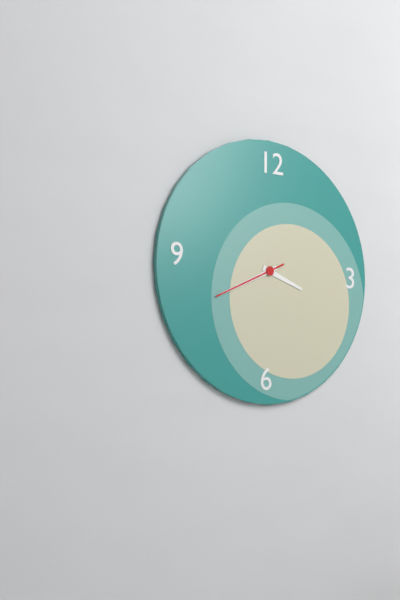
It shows 3.41.41
